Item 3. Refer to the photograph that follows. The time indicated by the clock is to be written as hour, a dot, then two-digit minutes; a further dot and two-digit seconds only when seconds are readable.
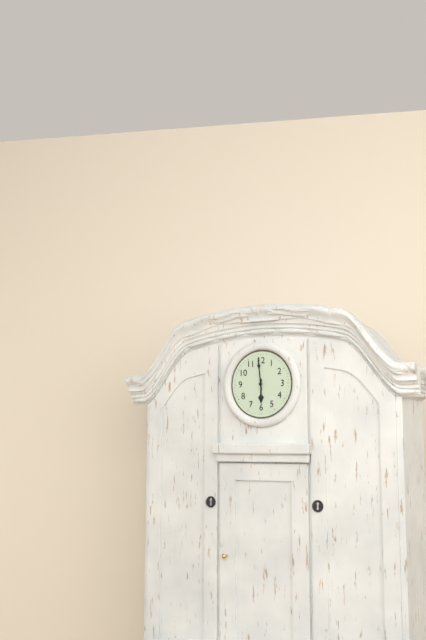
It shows 5.59
